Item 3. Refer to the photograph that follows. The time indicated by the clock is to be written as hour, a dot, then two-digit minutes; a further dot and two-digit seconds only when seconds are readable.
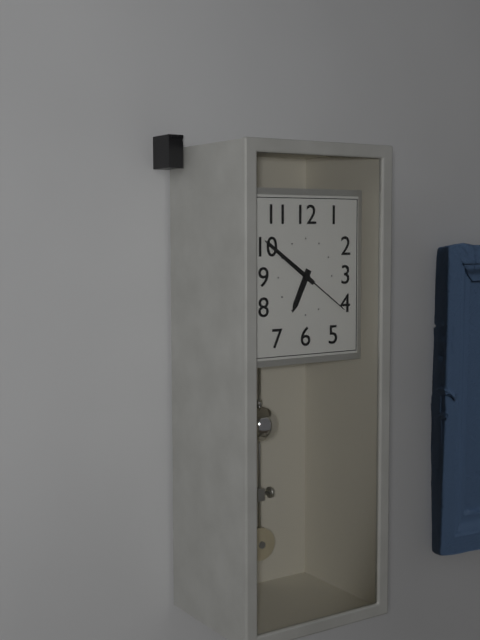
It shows 6.51.21
